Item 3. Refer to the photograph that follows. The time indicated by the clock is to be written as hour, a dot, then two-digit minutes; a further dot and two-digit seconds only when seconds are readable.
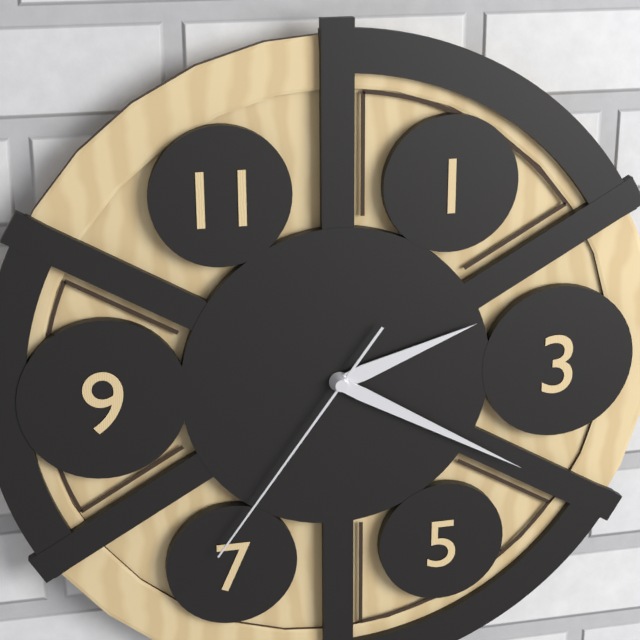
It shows 2.20.36
